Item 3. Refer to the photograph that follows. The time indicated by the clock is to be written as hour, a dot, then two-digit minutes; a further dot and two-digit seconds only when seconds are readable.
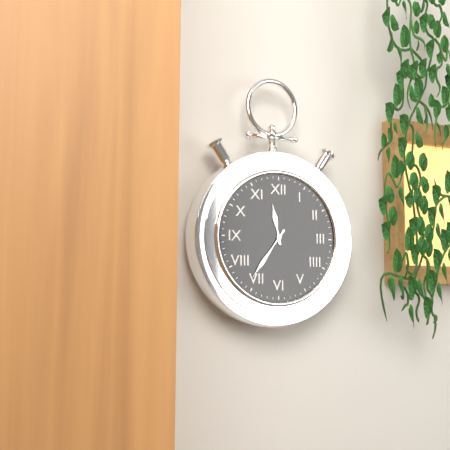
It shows 11.36
